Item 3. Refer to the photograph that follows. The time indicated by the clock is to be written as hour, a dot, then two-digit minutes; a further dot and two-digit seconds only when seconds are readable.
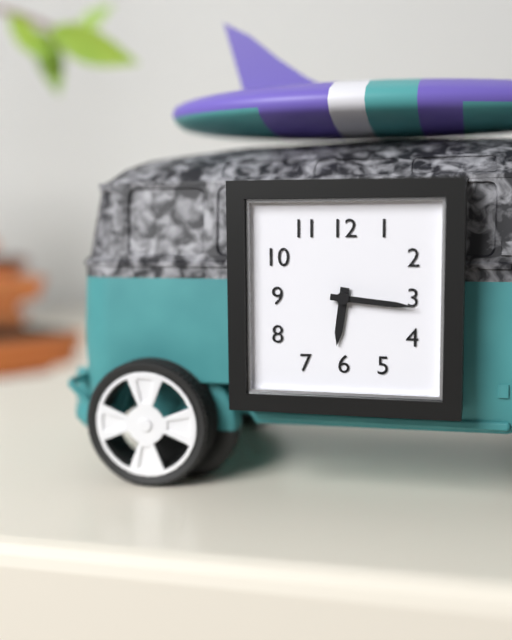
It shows 6.16
